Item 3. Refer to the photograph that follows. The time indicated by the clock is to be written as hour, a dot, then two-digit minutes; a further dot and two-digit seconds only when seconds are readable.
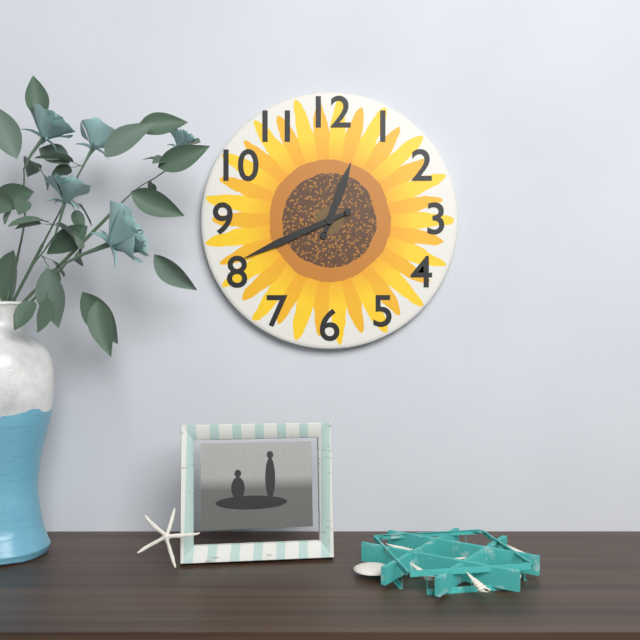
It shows 12.41
